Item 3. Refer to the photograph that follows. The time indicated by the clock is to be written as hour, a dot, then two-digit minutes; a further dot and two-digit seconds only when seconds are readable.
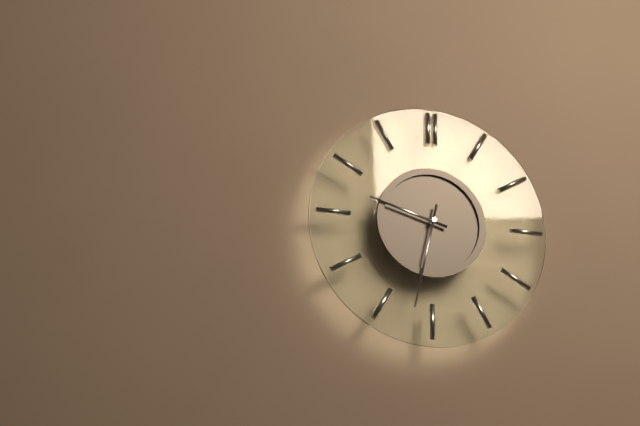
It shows 9.32
